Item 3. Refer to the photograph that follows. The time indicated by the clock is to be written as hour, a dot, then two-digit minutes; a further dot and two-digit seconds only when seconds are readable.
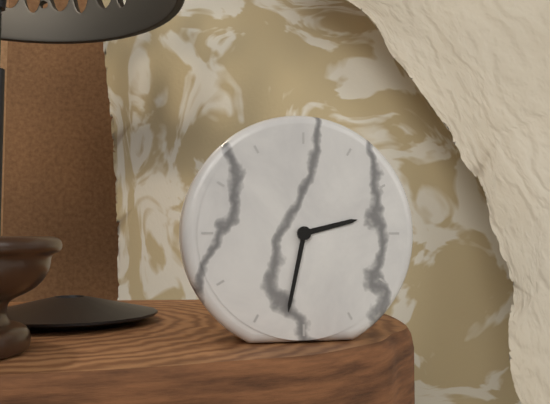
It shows 2.32
